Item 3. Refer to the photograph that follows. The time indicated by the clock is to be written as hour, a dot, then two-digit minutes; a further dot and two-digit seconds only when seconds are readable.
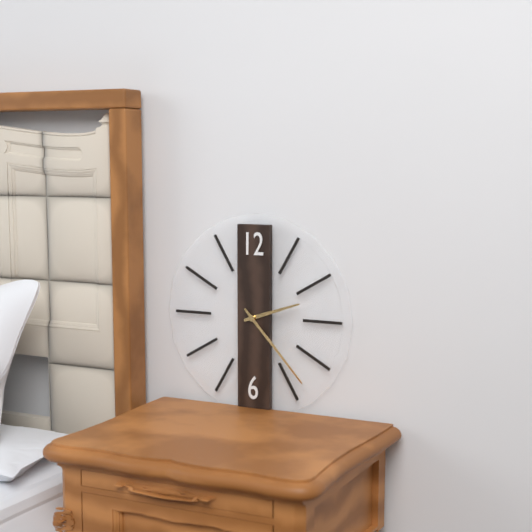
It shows 2.23
